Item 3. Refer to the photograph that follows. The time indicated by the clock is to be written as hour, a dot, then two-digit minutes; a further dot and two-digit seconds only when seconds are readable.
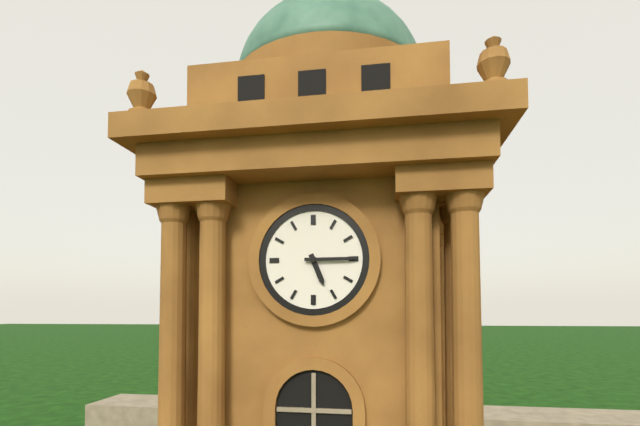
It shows 5.15
